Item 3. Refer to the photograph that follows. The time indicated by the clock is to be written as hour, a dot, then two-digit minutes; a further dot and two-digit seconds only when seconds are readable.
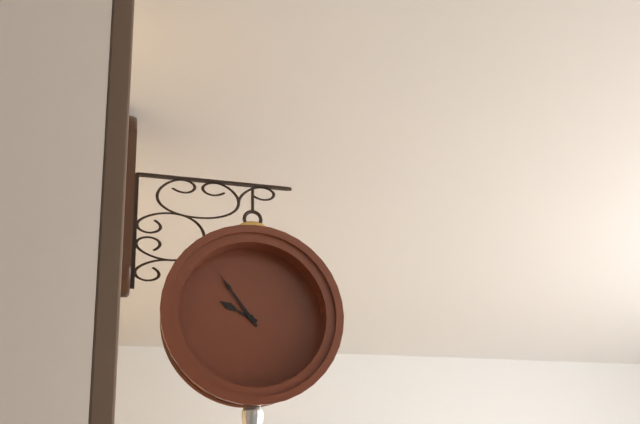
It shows 9.54
